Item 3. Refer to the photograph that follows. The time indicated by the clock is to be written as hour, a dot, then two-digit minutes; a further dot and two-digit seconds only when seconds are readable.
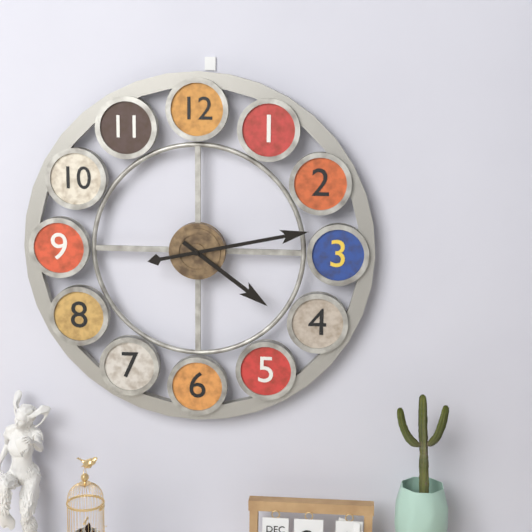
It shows 4.13
